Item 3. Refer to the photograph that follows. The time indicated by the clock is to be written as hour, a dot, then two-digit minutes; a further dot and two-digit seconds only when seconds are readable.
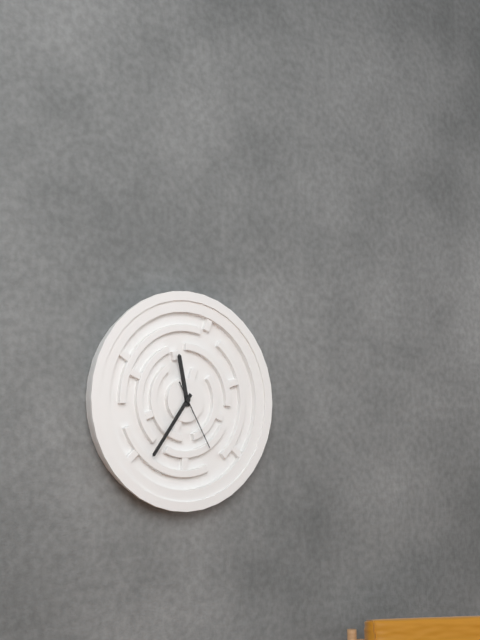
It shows 11.36.25
